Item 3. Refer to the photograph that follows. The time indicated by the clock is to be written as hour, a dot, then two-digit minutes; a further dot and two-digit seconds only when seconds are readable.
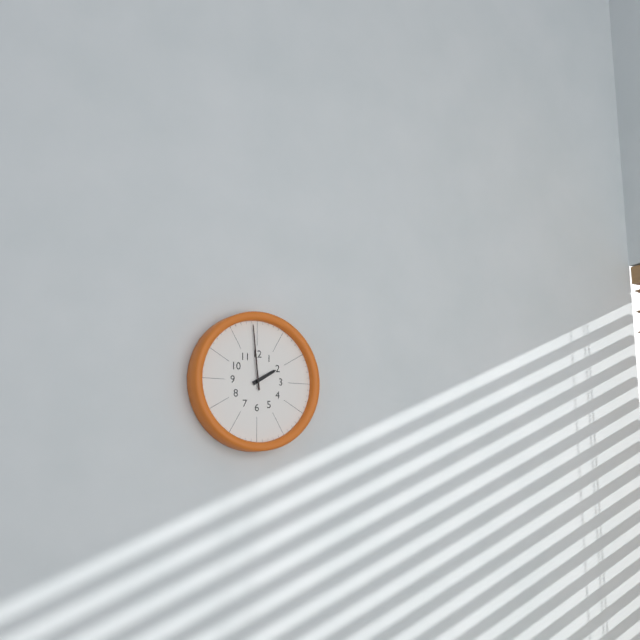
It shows 1.59
